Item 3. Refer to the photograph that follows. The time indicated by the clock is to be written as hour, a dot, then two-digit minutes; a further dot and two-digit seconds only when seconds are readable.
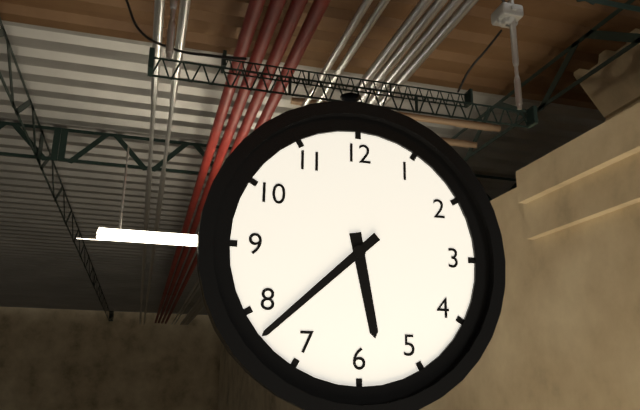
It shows 5.38
